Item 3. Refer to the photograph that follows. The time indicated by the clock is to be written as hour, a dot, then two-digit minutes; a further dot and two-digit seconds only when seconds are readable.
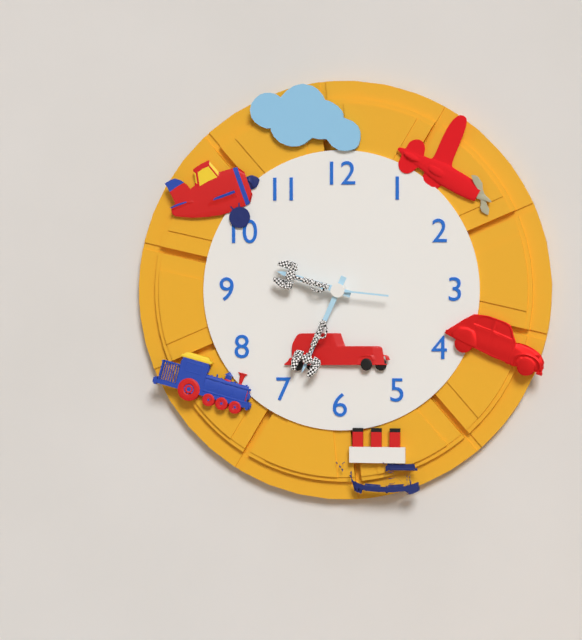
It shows 9.34.16
